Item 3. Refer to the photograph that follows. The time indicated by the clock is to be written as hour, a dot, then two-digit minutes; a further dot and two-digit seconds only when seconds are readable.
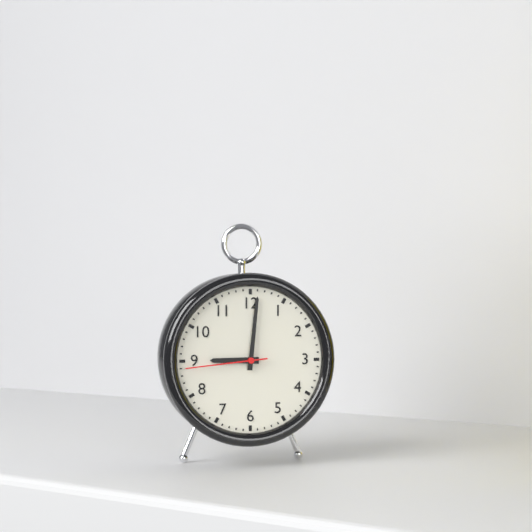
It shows 9.01.44
